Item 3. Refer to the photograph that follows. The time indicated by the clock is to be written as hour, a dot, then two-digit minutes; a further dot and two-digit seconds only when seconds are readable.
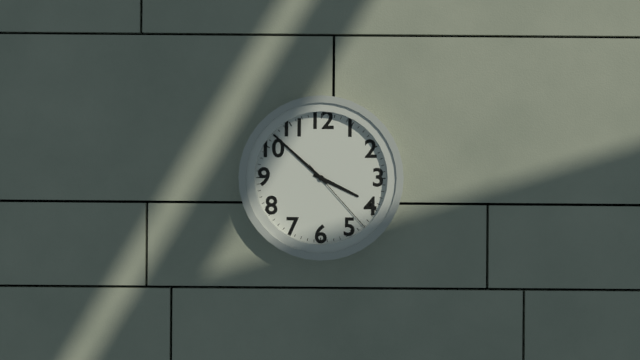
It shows 3.52.23
